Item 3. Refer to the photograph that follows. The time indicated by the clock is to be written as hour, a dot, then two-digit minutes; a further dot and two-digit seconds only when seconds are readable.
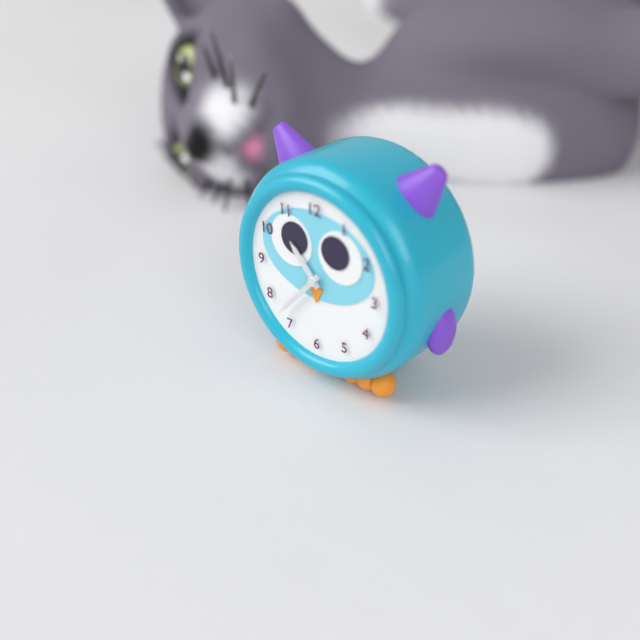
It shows 10.37
